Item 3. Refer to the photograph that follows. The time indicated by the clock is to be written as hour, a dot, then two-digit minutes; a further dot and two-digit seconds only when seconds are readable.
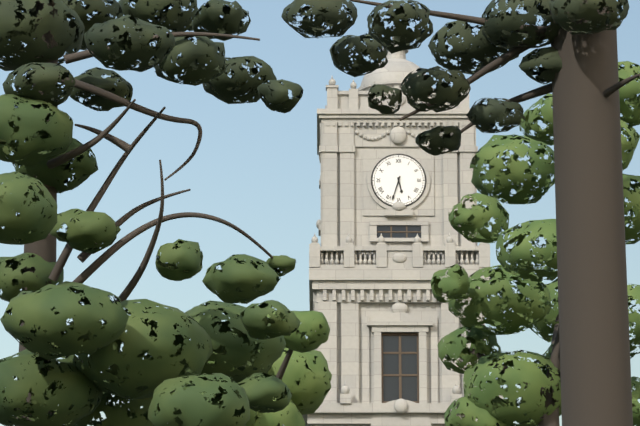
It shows 5.33
